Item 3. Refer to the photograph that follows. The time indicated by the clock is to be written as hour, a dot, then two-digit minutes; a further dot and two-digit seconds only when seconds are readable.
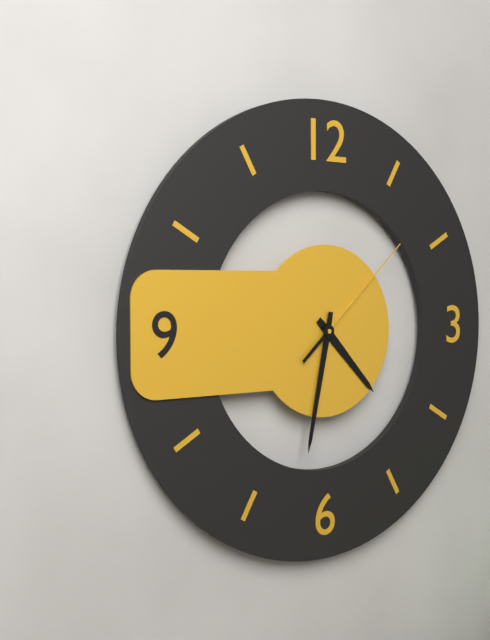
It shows 4.32.08
